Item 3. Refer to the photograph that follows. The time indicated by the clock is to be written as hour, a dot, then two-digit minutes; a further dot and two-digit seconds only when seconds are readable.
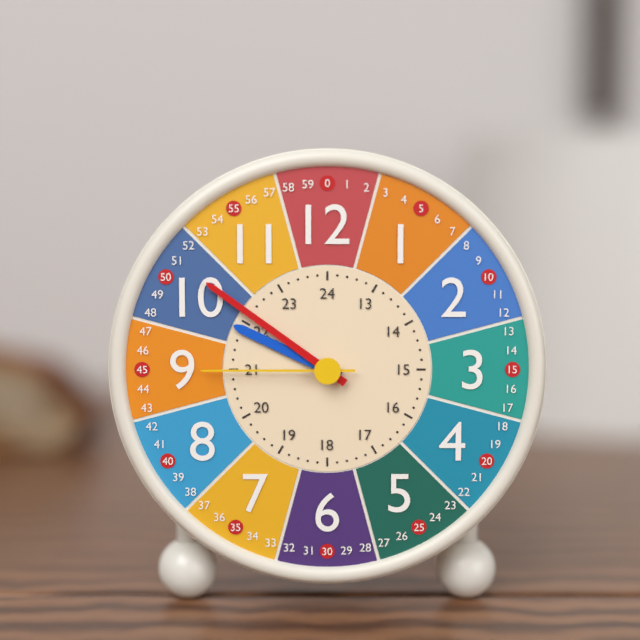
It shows 9.51.45
